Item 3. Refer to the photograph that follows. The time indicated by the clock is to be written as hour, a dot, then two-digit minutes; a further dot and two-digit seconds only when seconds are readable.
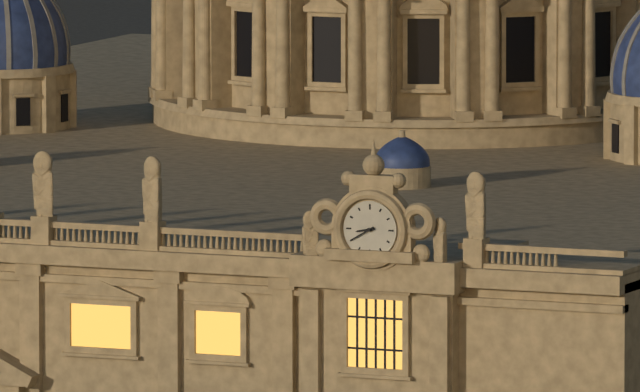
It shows 8.40
